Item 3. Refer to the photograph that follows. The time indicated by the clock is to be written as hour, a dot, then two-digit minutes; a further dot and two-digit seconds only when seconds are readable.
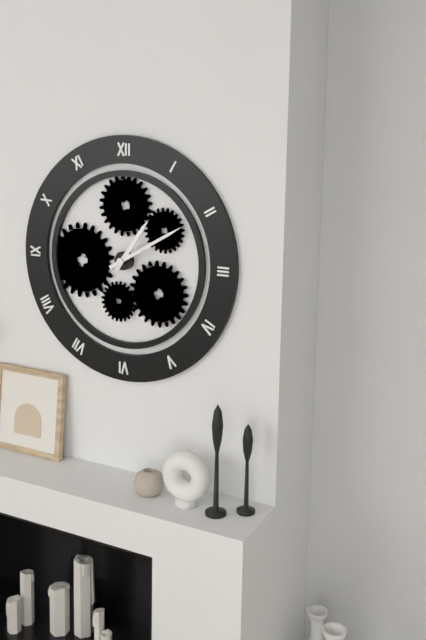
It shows 1.10
